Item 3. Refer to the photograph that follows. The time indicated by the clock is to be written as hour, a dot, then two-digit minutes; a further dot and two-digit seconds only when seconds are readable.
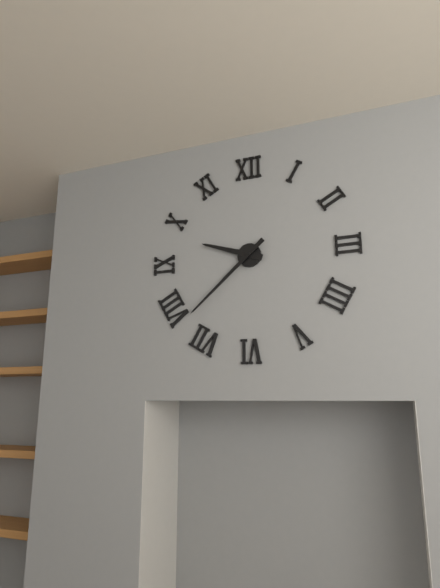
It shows 9.38
